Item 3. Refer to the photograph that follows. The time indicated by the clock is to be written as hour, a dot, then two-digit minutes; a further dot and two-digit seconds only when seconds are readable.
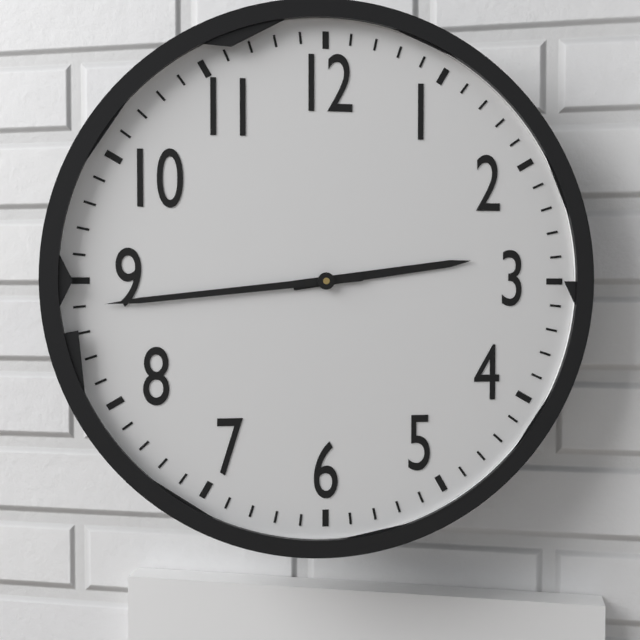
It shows 2.44
